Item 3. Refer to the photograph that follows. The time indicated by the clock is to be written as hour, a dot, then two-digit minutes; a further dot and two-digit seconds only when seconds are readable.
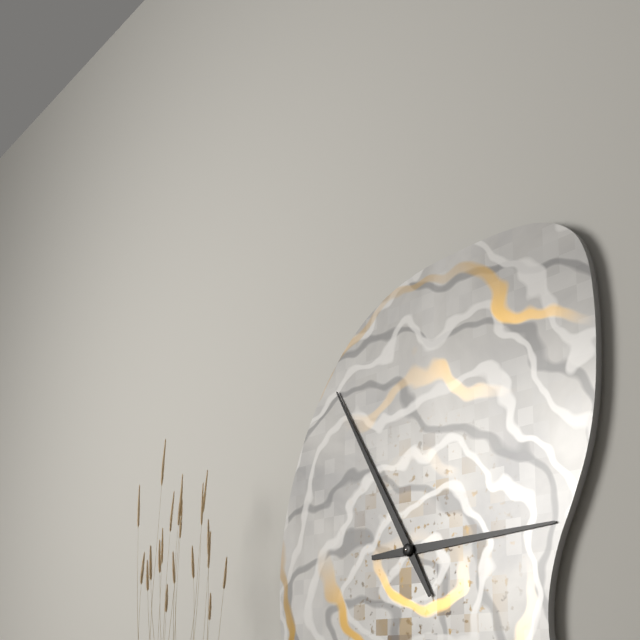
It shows 2.55
